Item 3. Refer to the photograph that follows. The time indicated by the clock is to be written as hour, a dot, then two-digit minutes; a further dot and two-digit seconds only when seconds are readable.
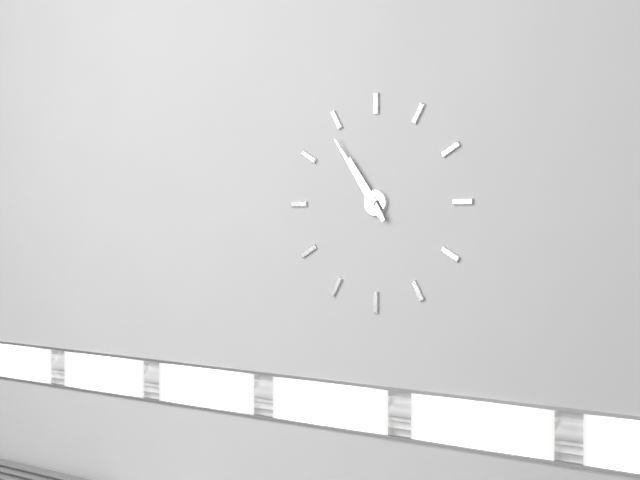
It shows 10.54
